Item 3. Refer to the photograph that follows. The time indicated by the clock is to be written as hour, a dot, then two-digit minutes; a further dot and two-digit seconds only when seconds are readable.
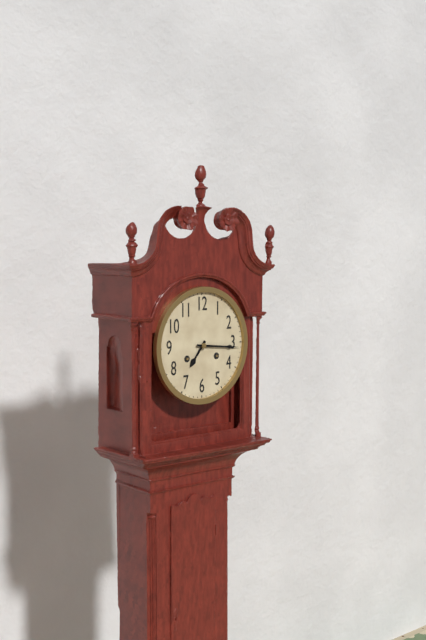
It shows 7.16
